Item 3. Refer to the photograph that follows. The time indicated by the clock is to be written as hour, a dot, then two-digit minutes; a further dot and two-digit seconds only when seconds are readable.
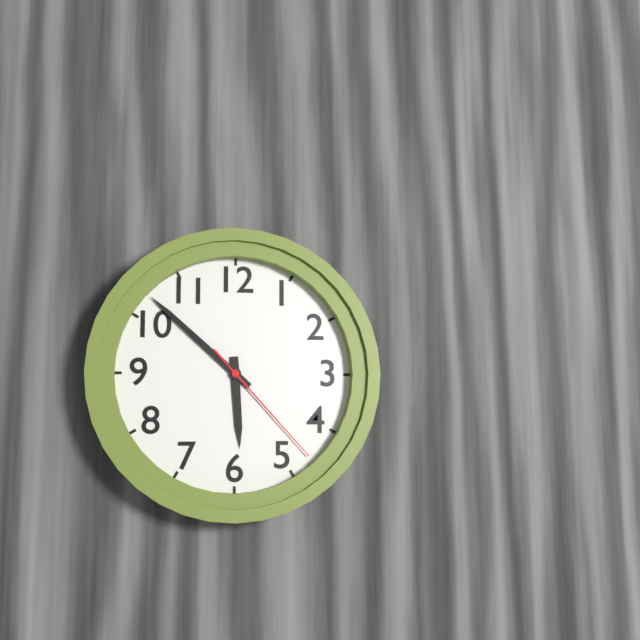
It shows 5.52.23
